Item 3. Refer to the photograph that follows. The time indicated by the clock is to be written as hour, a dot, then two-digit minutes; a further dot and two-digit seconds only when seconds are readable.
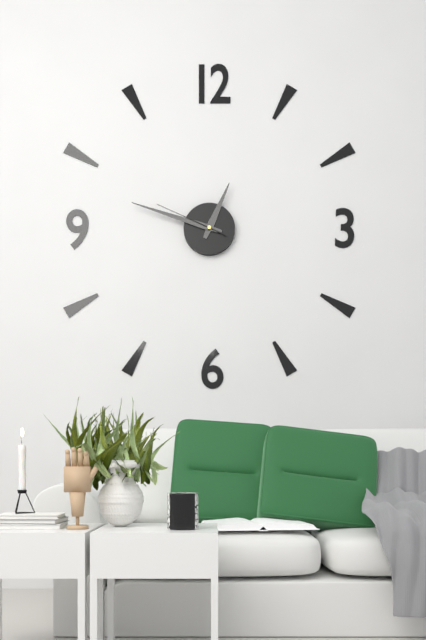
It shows 12.48.49
